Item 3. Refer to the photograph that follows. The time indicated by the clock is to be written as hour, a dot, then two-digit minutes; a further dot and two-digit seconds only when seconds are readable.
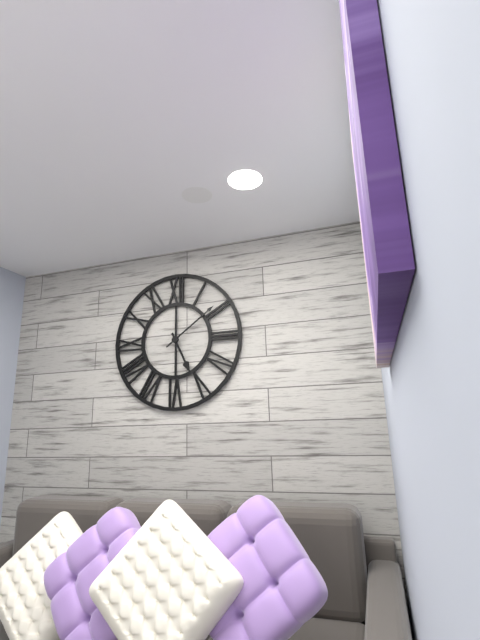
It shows 5.09
